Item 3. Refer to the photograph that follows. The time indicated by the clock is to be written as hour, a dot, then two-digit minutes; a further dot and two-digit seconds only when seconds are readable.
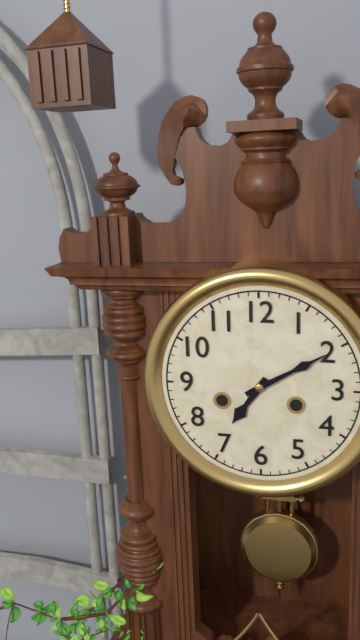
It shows 7.10
